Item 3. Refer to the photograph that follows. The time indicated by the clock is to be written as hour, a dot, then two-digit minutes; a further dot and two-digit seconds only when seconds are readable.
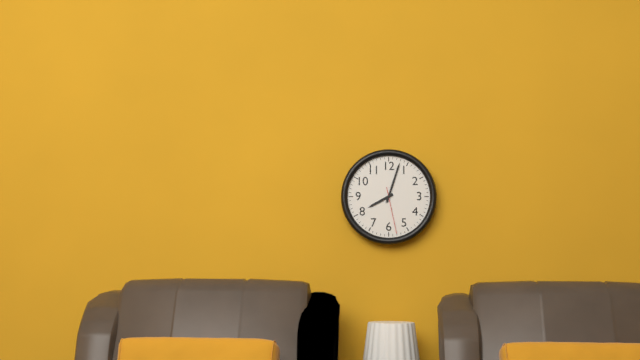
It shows 8.03
